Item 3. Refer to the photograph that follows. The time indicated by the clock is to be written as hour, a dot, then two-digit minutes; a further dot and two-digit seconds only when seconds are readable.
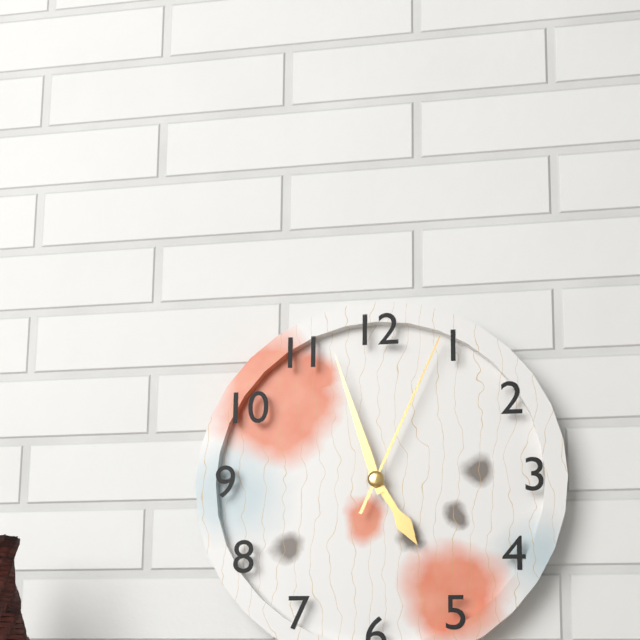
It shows 4.57.04
